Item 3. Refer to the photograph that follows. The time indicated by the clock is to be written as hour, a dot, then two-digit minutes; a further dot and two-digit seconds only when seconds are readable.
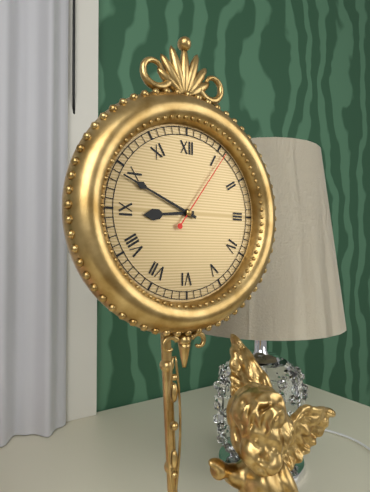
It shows 8.49.06
